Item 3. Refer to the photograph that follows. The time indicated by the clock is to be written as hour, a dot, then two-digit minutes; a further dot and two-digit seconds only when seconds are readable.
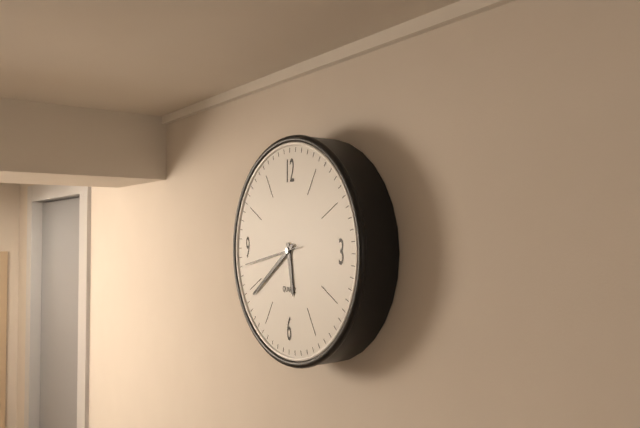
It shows 5.39.43
